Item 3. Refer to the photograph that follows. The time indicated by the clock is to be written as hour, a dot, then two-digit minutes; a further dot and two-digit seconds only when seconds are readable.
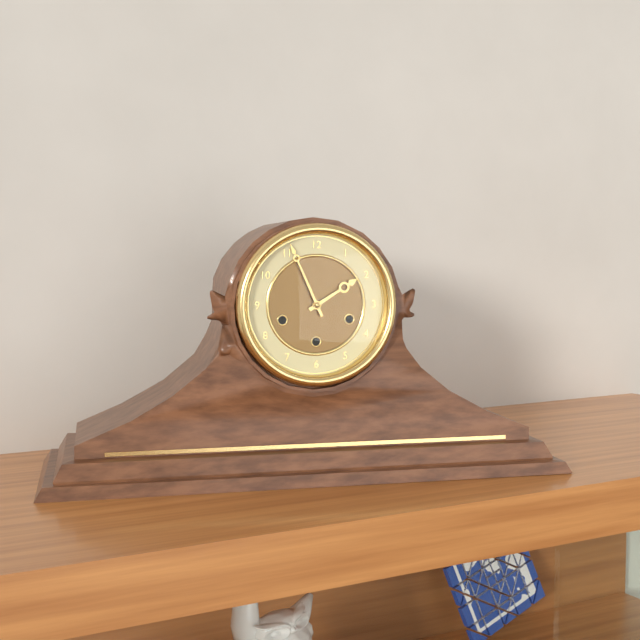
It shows 1.56
